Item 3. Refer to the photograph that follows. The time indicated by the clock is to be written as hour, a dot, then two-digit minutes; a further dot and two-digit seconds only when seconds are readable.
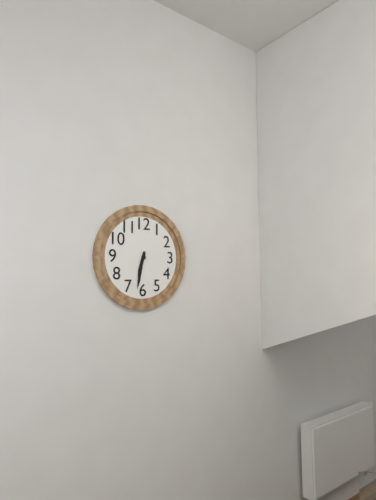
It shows 6.32
